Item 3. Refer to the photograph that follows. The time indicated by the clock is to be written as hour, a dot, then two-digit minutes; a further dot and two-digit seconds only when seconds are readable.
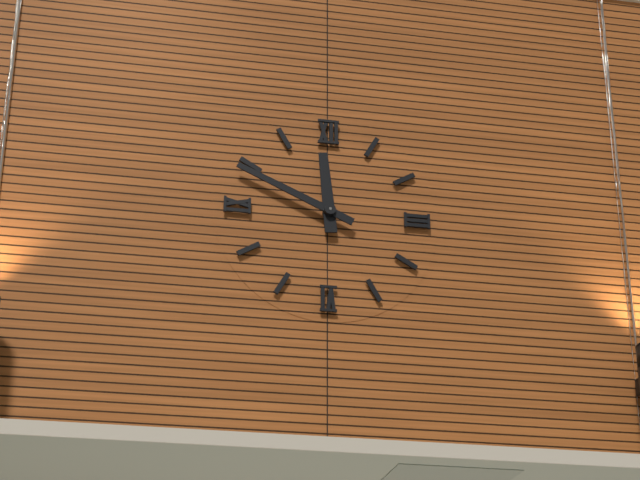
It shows 11.49
